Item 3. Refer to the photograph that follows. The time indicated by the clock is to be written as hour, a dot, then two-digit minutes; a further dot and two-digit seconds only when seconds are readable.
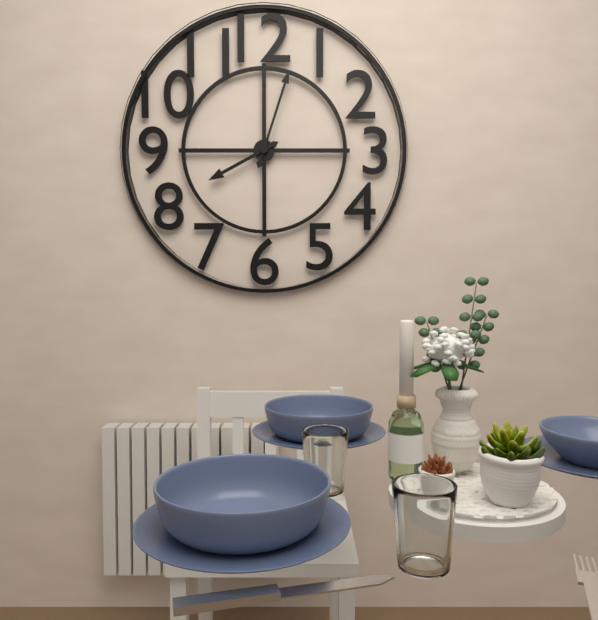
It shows 8.03
